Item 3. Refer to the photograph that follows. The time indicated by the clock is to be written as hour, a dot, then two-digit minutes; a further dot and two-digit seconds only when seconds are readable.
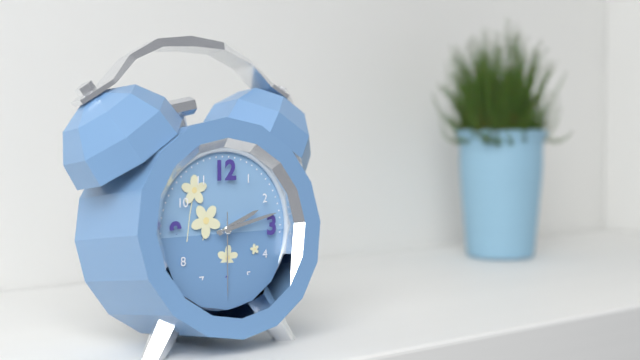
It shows 2.13.30
